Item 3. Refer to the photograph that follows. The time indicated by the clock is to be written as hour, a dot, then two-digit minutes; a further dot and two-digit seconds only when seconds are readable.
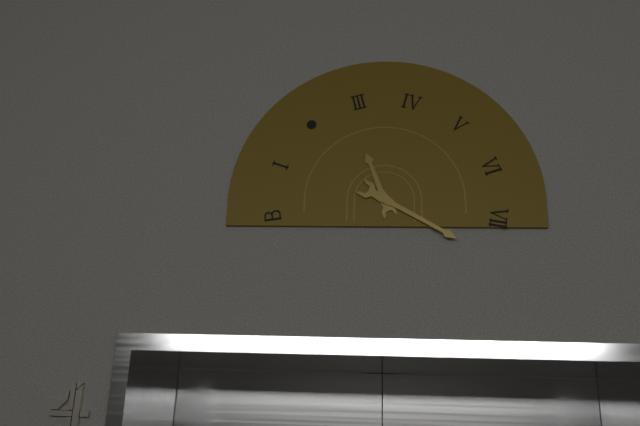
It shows 11.20
